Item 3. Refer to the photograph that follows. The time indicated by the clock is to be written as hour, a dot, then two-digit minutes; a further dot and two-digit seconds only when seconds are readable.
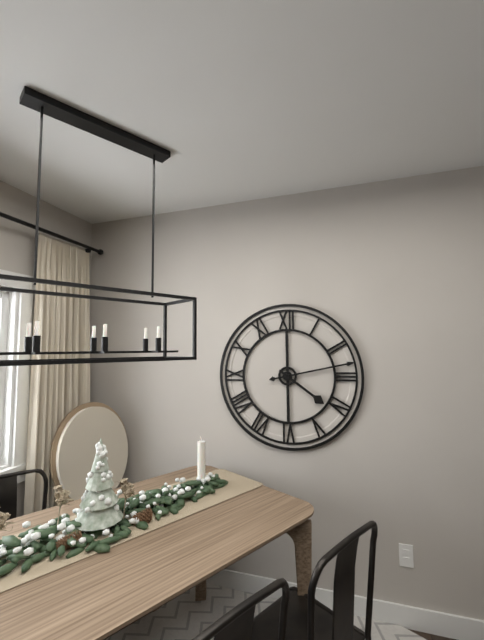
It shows 4.13
